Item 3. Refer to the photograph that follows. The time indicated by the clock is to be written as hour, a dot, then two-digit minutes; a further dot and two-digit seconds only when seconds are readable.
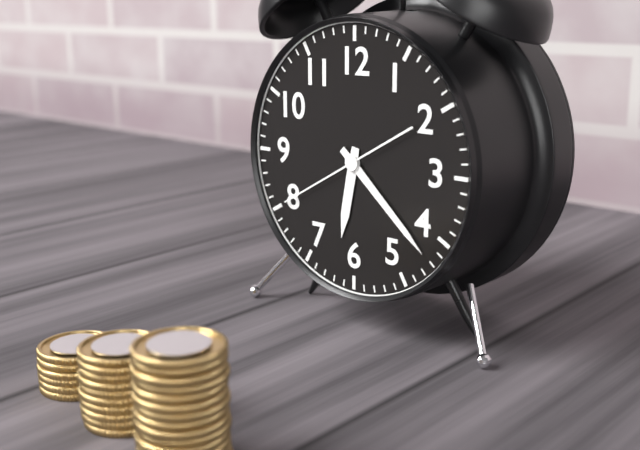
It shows 6.22.40
